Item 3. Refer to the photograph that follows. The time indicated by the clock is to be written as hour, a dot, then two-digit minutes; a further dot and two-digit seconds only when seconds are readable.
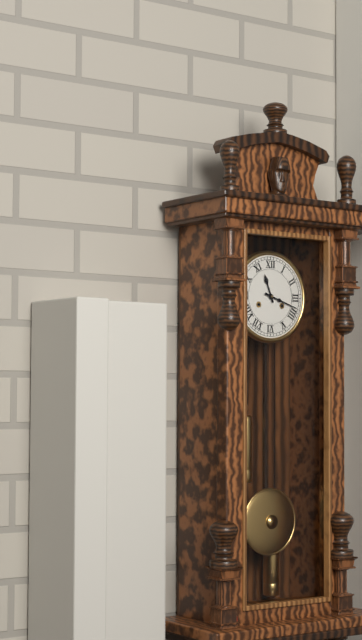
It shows 11.18
